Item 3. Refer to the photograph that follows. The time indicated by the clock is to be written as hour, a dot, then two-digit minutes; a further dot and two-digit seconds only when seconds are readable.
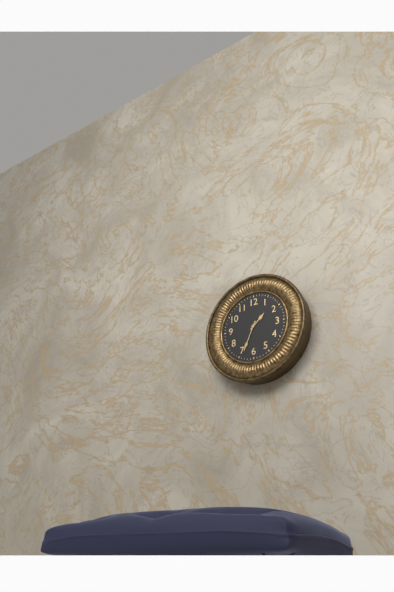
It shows 1.34
